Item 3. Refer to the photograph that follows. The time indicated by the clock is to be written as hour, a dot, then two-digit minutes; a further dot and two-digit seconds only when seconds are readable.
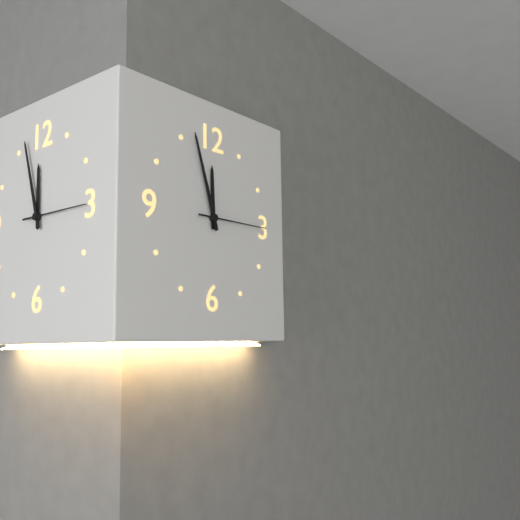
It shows 11.57.15
